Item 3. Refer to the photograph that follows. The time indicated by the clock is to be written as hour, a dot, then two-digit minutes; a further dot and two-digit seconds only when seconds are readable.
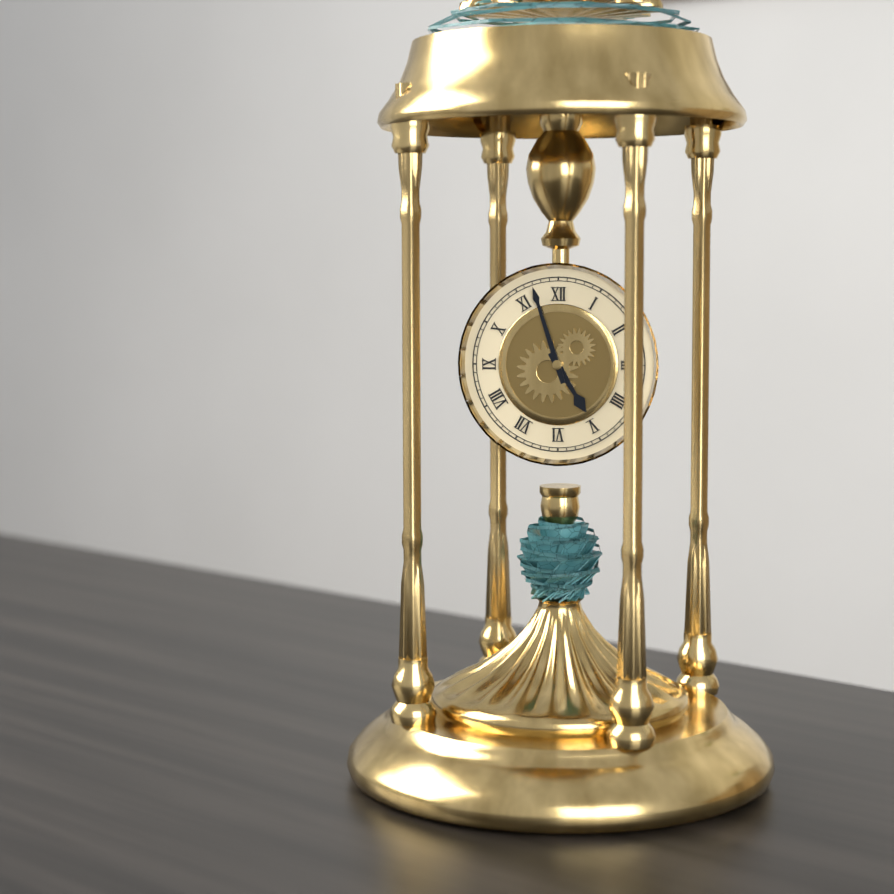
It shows 4.57
